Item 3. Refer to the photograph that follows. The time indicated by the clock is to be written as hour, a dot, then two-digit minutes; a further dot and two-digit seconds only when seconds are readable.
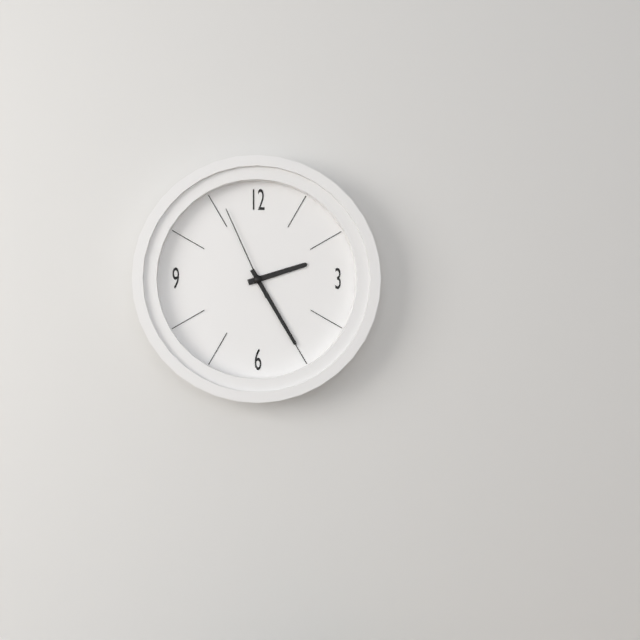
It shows 2.25.56
